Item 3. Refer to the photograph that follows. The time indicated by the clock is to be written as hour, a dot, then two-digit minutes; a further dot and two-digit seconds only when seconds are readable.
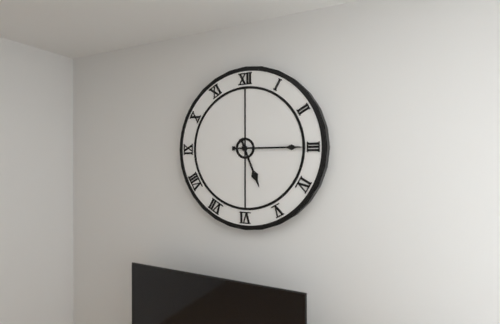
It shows 5.15
